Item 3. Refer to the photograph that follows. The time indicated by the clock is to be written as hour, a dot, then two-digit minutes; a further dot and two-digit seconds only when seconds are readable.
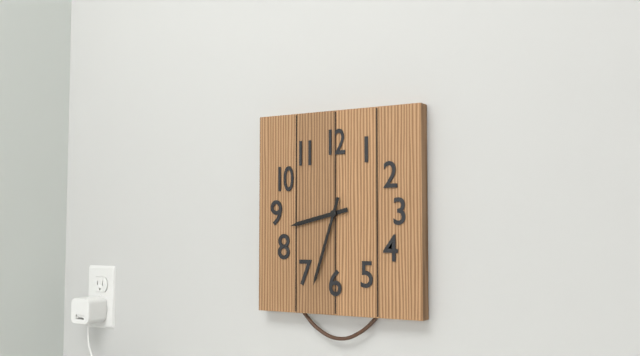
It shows 8.33
